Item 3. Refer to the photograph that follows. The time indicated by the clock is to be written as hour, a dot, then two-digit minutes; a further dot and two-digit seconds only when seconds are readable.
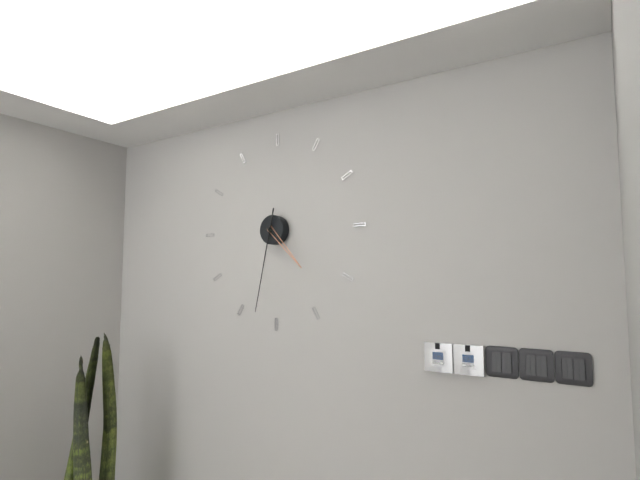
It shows 4.32
